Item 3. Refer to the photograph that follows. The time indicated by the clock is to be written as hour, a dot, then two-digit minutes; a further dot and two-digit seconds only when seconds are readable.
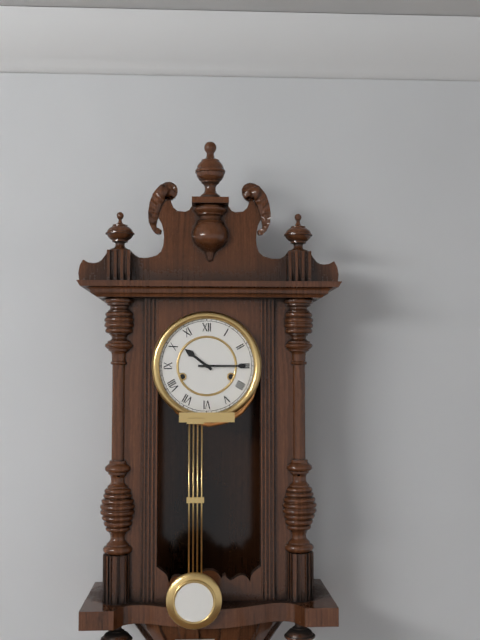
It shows 10.15
